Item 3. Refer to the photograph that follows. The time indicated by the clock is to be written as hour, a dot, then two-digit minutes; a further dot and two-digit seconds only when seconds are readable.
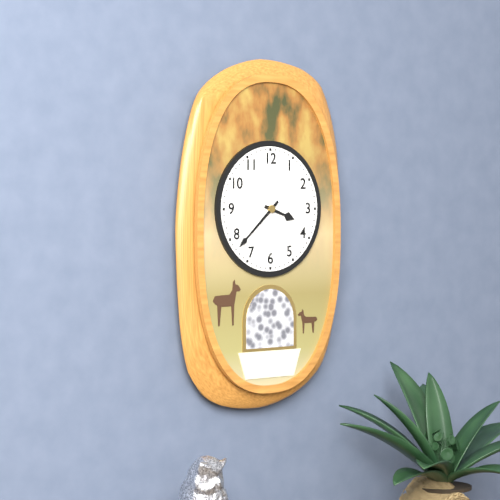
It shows 3.38
